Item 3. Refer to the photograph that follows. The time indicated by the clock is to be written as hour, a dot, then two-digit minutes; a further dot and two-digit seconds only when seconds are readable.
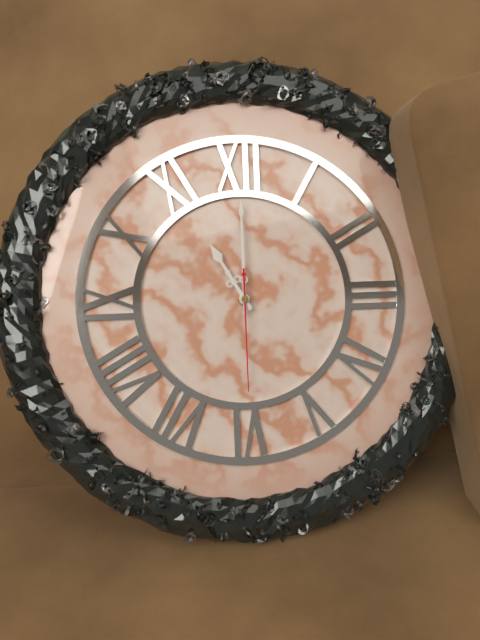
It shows 11.00.30
